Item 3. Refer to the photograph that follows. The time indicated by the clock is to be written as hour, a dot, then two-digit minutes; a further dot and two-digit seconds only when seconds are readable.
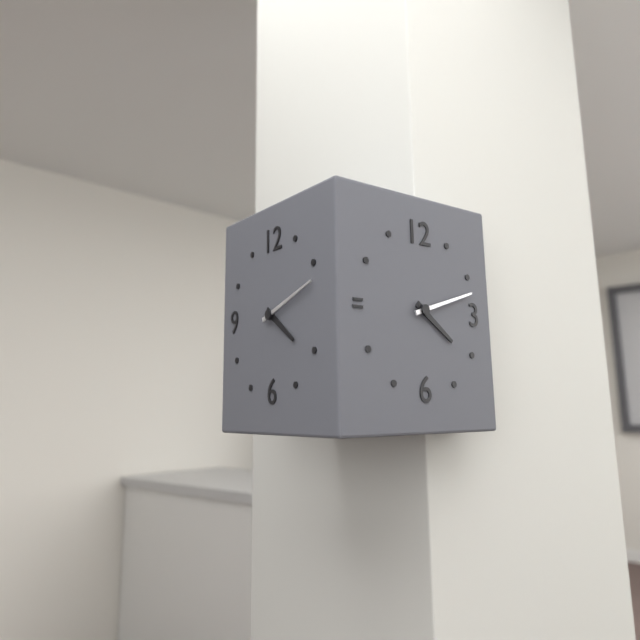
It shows 4.12
